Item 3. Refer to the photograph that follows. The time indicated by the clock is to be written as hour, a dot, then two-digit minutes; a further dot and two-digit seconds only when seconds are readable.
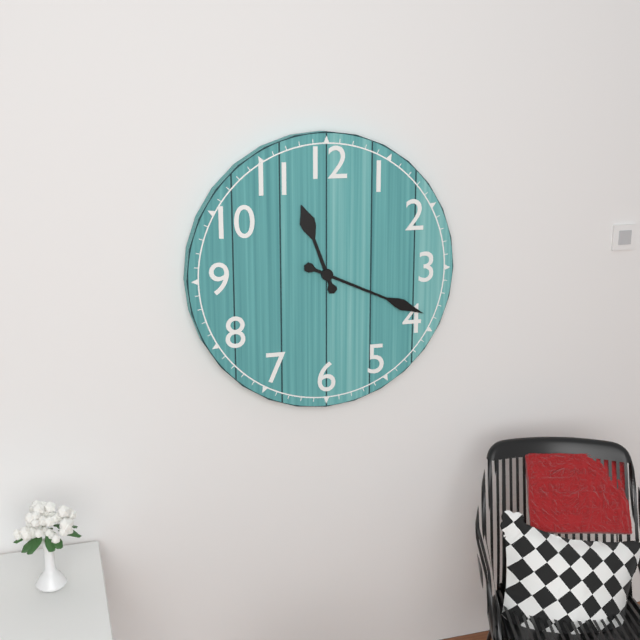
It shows 11.19
